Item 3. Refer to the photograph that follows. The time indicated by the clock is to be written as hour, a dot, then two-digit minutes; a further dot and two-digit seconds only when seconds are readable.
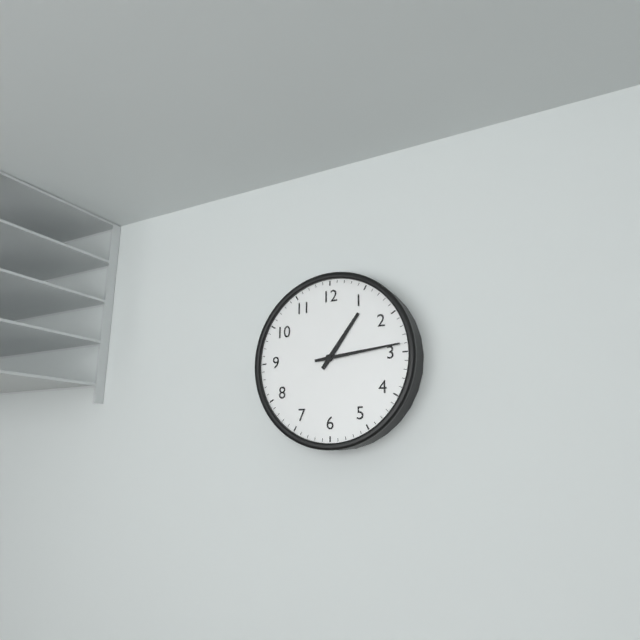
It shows 1.14
